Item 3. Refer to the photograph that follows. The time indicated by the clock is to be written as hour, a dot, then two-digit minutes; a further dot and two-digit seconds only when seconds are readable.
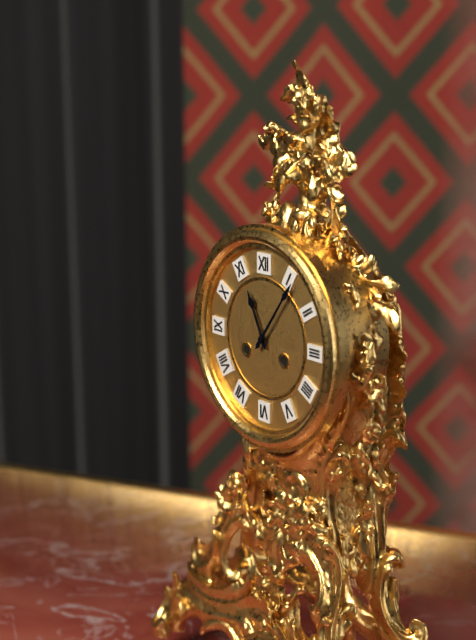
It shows 11.06
